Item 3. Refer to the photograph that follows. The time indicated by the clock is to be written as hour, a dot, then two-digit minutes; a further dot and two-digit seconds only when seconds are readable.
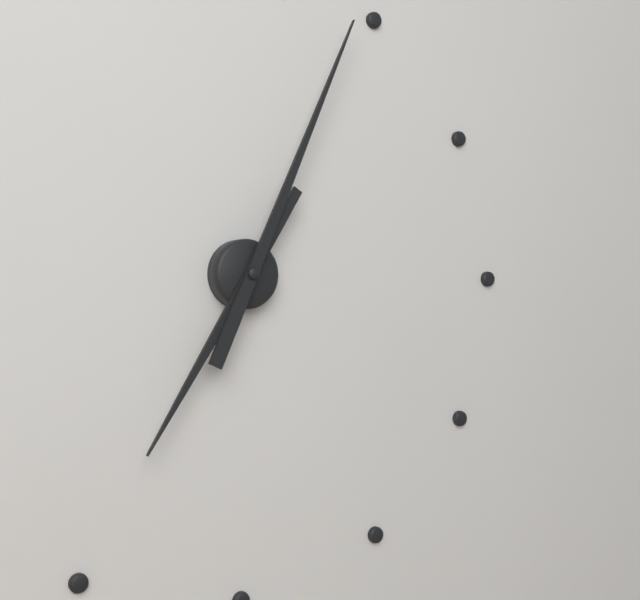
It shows 7.04
